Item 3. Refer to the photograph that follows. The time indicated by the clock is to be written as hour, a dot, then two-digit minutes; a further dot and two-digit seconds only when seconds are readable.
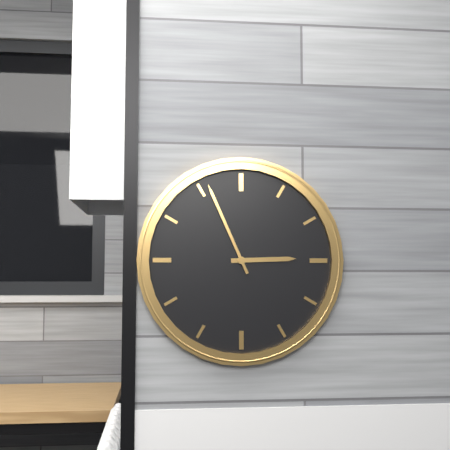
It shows 2.56
